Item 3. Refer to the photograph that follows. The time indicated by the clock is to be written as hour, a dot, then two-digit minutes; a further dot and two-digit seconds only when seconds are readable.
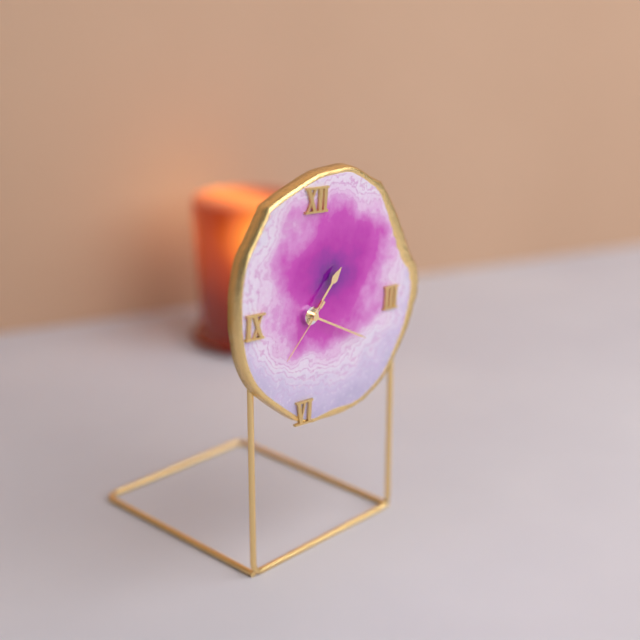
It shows 1.19.37
